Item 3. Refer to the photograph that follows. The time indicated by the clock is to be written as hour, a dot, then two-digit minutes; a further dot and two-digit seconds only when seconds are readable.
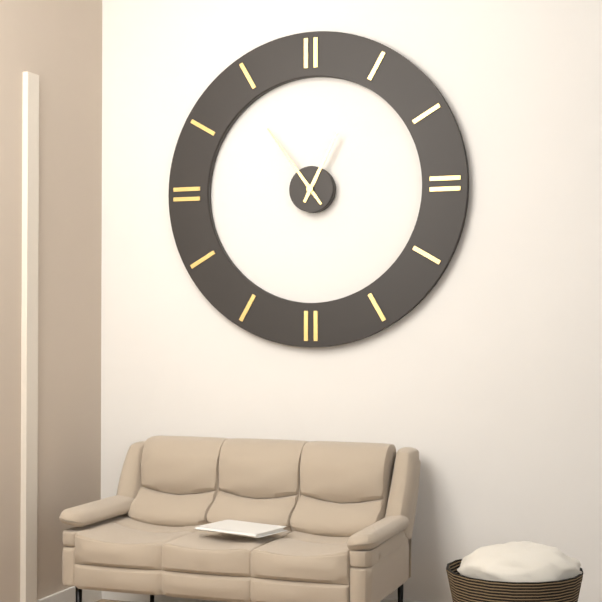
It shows 12.54
